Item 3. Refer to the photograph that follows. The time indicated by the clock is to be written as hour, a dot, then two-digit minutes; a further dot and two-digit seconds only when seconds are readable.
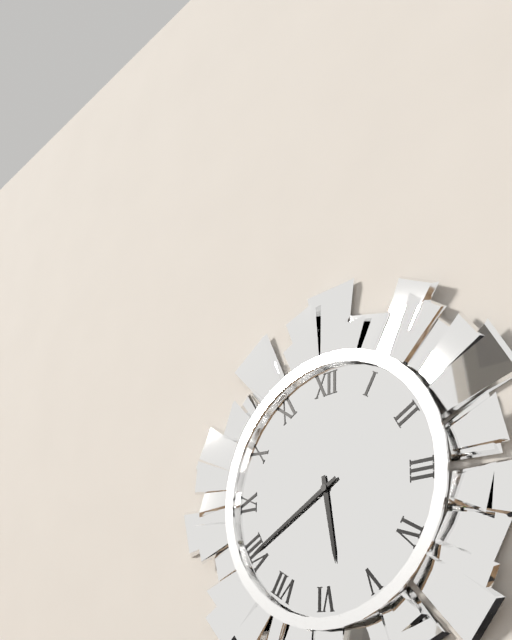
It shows 5.40
